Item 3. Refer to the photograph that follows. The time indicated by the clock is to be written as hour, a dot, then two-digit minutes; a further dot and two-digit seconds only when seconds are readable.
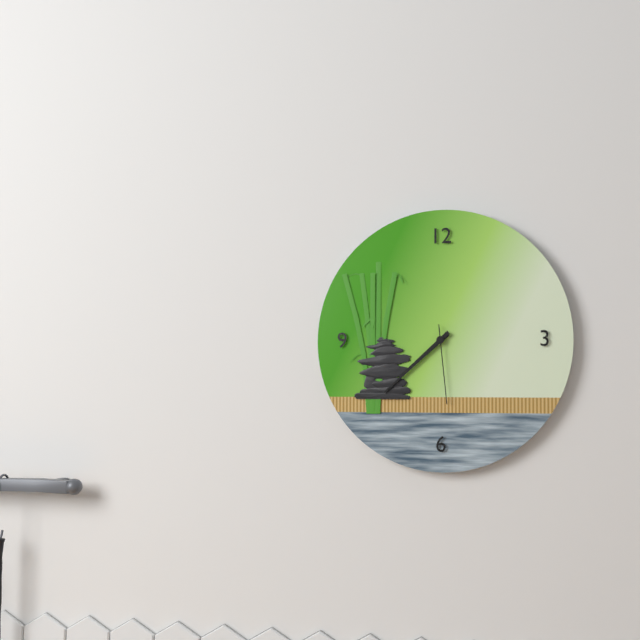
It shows 7.38.29
